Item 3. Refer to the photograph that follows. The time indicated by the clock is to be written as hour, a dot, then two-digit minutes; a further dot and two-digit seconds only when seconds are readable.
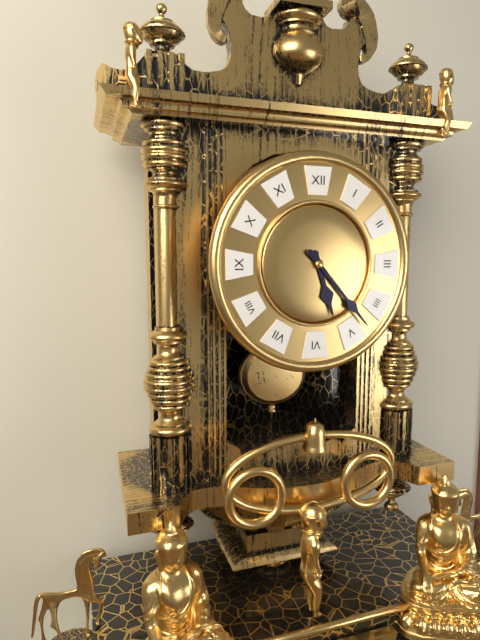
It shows 5.23
